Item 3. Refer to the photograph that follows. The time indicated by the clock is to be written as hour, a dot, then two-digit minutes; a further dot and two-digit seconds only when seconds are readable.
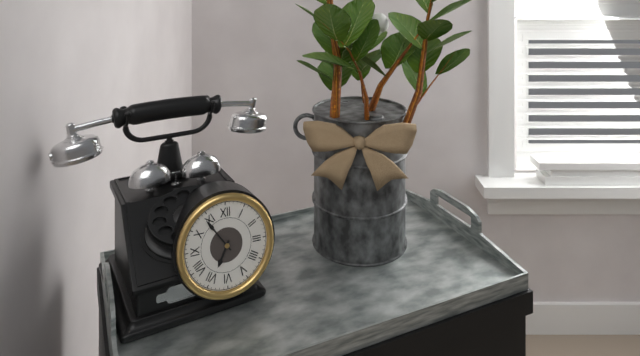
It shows 6.54
